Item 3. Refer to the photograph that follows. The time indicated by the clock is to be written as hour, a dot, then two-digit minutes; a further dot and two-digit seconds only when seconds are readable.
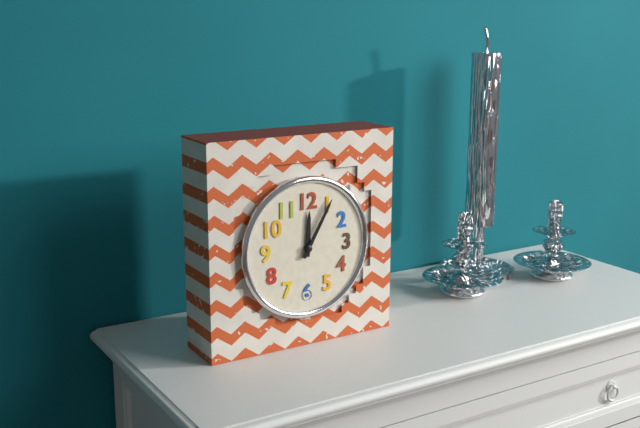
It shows 12.05
